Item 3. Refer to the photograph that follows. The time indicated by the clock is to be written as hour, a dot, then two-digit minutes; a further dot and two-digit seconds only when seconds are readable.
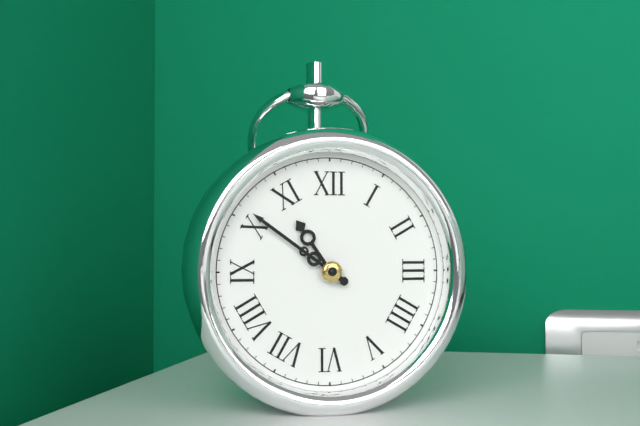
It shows 10.51
